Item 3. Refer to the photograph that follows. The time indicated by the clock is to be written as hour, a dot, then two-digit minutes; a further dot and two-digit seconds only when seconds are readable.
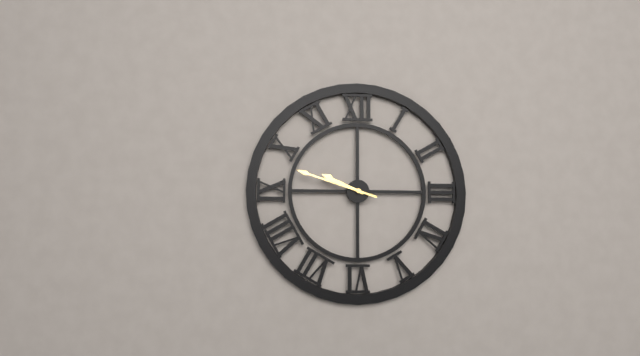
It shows 9.48
